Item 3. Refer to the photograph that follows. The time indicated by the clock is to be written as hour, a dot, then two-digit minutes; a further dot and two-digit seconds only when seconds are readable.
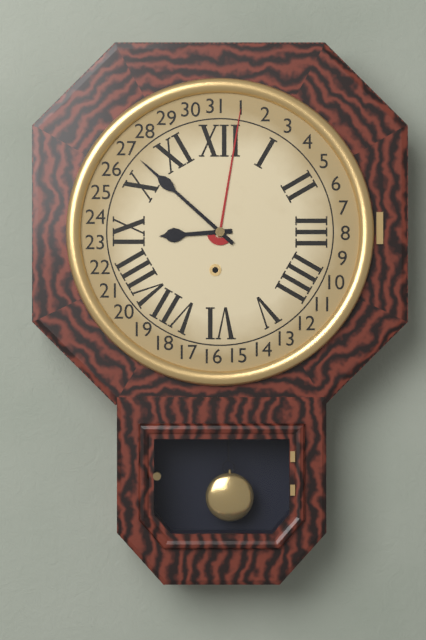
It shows 8.52
